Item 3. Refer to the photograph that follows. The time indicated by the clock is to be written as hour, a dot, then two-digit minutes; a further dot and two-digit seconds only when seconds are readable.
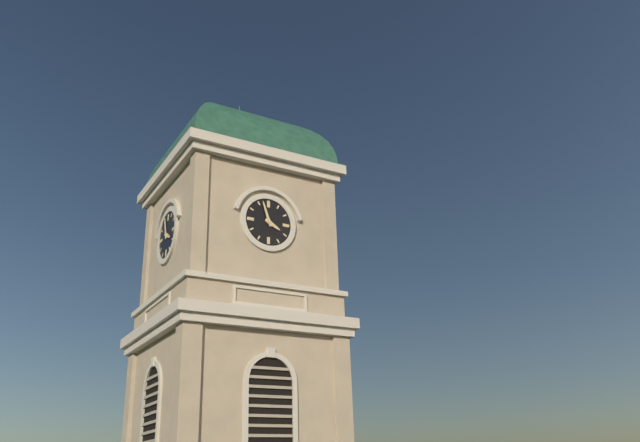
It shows 3.57
